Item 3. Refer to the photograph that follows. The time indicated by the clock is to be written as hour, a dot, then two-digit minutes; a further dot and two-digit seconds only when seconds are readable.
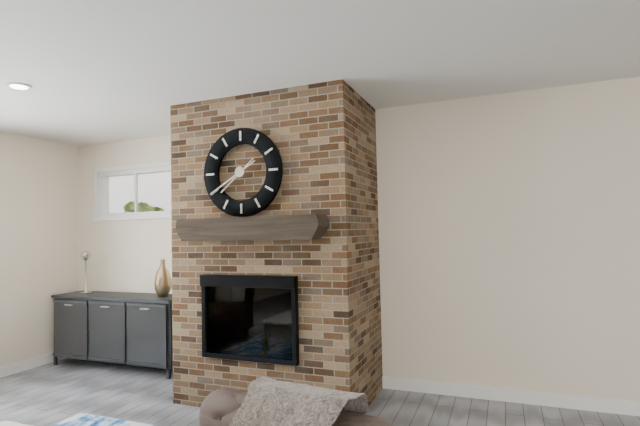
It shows 7.40
